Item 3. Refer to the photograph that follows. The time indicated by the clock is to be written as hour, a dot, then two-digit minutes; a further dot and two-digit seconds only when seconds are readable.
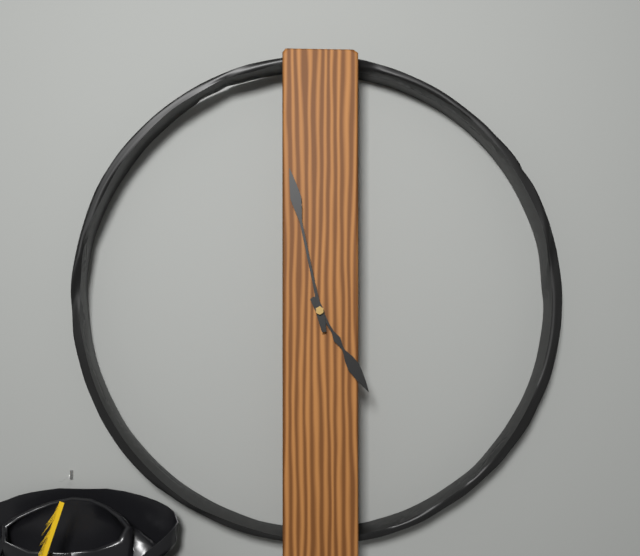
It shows 4.58
